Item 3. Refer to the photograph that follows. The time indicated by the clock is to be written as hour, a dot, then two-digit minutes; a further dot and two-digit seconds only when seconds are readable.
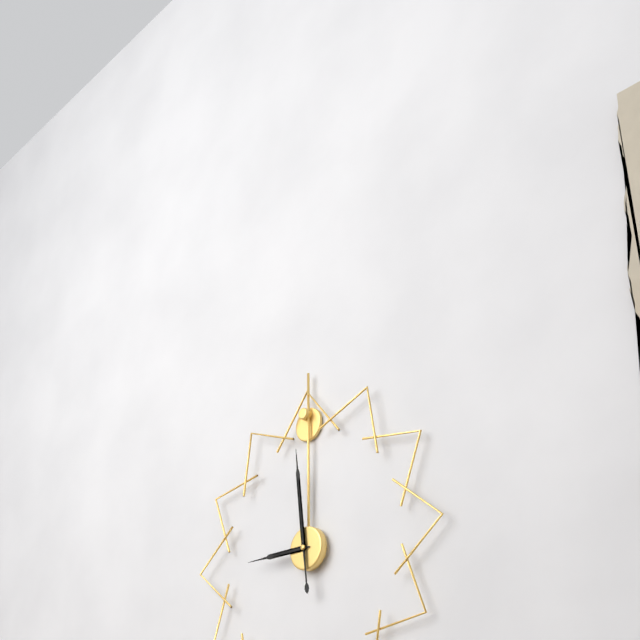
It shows 8.59
